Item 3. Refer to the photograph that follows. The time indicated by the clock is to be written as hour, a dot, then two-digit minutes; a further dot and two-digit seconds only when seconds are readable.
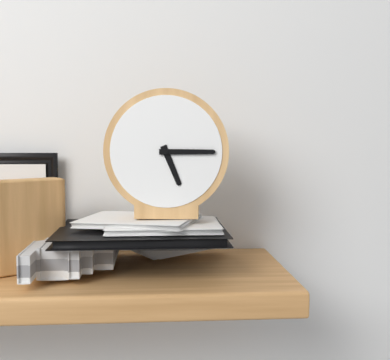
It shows 5.15
